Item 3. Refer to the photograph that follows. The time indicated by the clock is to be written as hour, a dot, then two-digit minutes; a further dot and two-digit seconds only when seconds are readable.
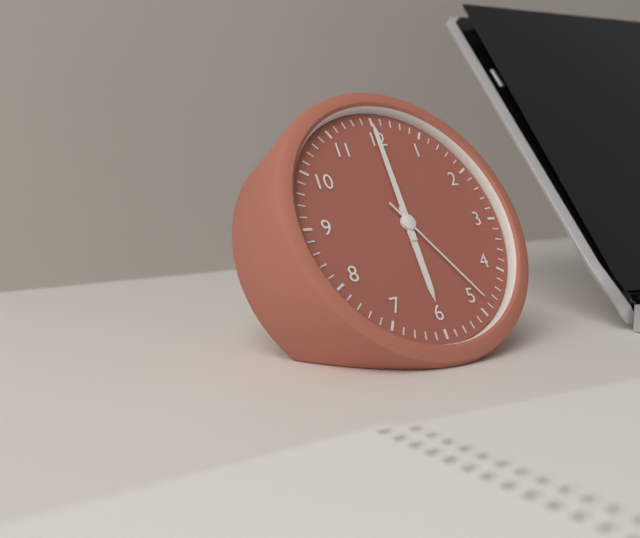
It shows 6.00.24
